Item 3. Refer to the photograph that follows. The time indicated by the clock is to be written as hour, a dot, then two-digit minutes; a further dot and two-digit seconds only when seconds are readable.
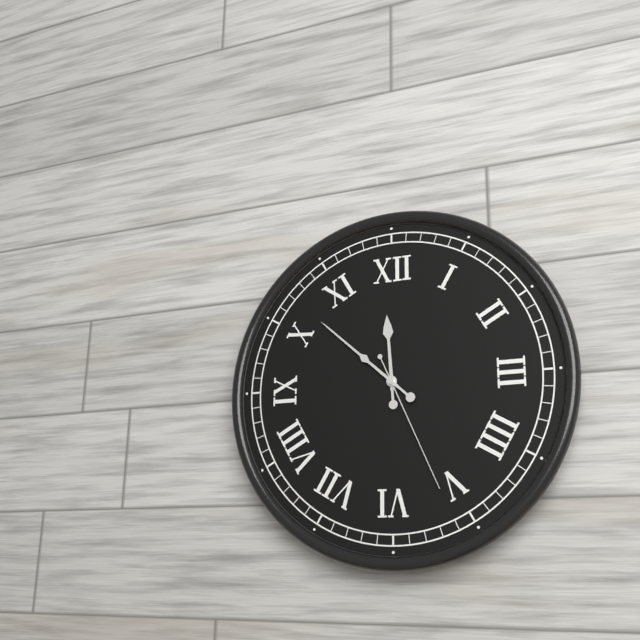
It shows 11.52.26
